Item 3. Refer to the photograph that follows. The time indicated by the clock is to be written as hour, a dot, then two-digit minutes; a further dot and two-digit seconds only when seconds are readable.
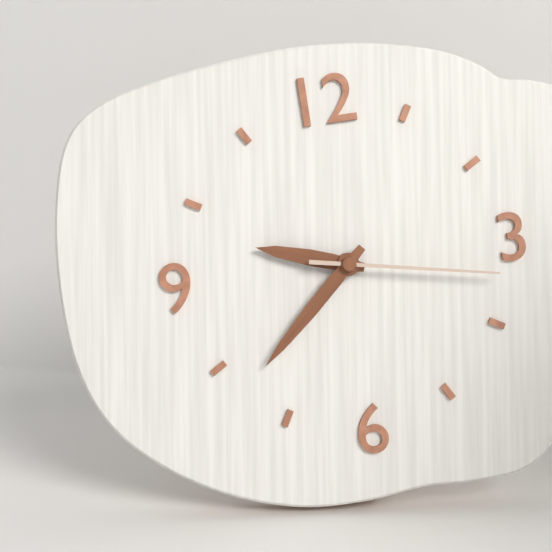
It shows 9.38.17
